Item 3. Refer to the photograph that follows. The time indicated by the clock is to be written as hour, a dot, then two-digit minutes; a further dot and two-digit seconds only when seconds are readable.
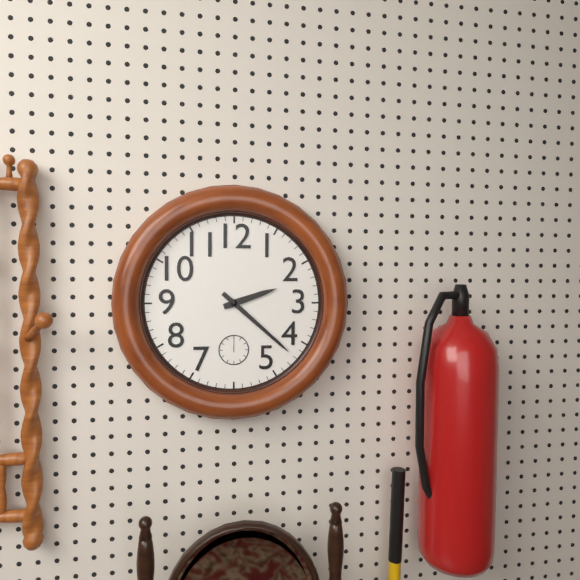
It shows 2.22
